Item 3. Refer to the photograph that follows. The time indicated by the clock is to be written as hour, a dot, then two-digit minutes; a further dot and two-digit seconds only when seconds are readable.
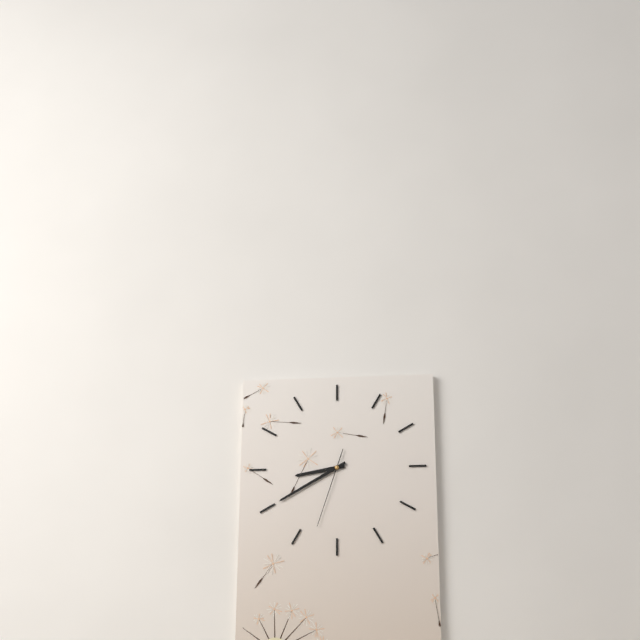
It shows 8.40.33
